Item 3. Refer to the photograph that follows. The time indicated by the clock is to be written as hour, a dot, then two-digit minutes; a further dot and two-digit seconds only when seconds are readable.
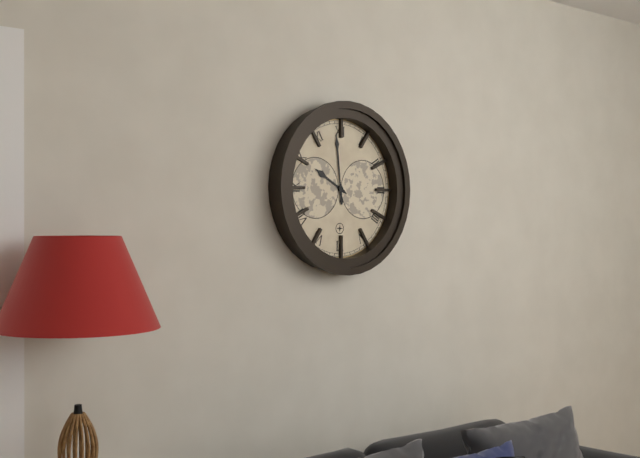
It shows 9.59
